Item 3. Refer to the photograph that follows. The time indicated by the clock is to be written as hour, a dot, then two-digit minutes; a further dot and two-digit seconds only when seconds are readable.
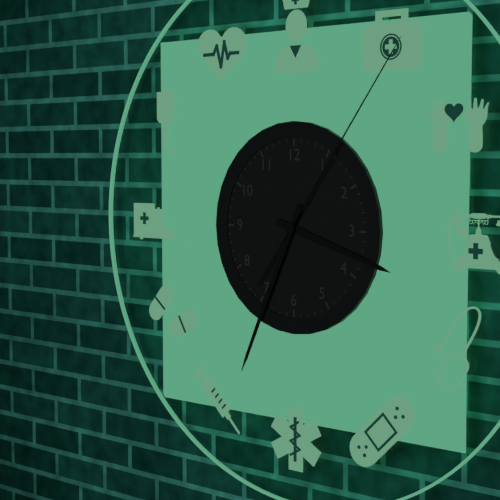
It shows 3.34.06
